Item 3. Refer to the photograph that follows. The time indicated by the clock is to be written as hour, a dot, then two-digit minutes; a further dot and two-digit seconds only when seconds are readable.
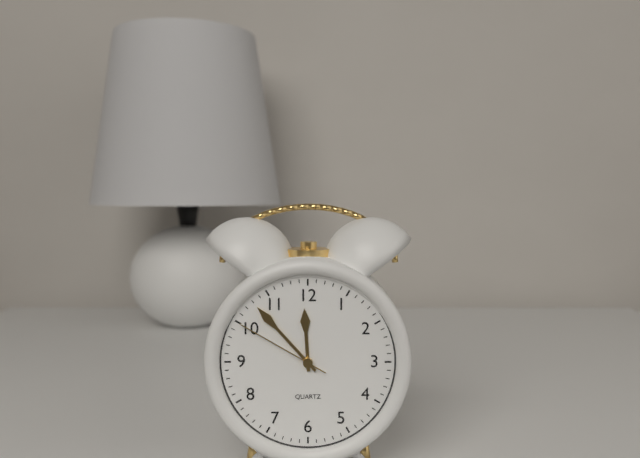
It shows 11.53.50
